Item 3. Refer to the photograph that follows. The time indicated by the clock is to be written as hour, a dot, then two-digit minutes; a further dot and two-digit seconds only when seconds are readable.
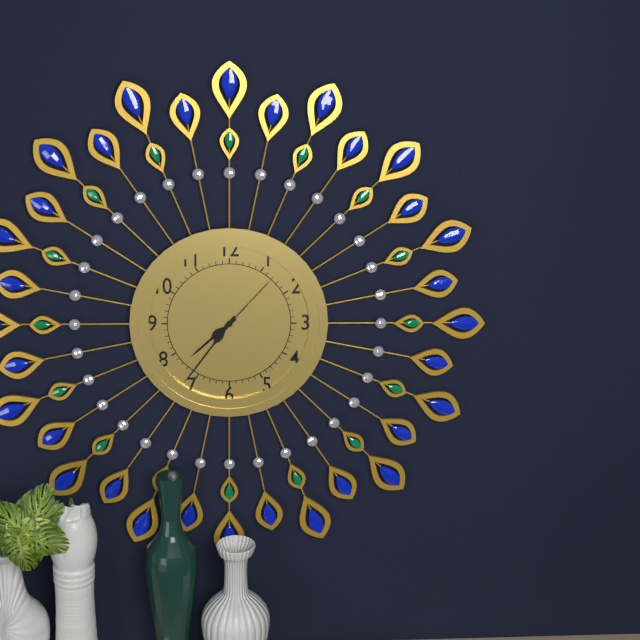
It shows 7.36.07
